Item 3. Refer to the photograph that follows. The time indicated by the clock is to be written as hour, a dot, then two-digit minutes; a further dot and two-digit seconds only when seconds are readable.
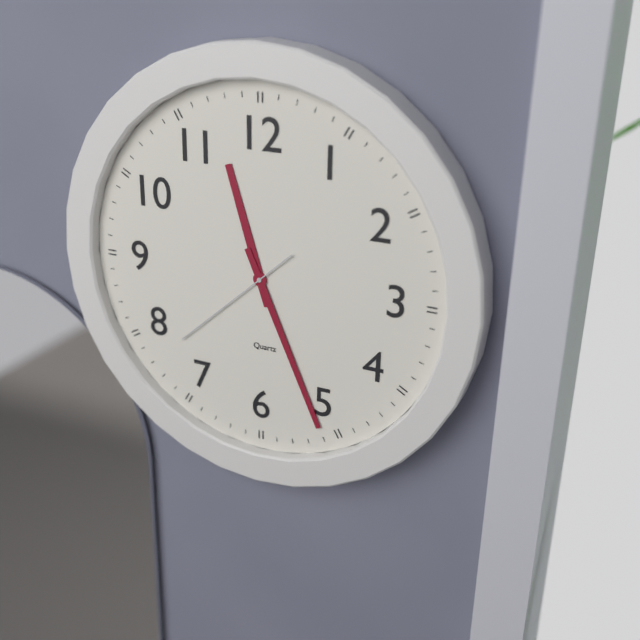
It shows 11.26.38
